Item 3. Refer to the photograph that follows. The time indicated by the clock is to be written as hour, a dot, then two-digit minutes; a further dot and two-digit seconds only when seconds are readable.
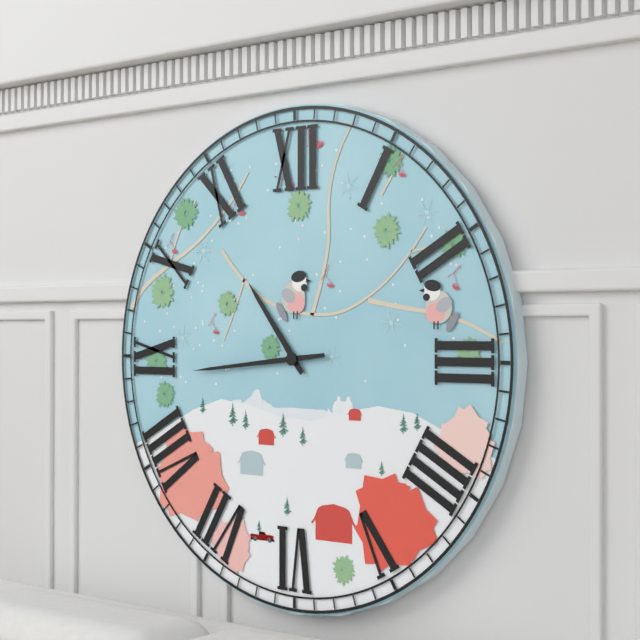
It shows 10.44
